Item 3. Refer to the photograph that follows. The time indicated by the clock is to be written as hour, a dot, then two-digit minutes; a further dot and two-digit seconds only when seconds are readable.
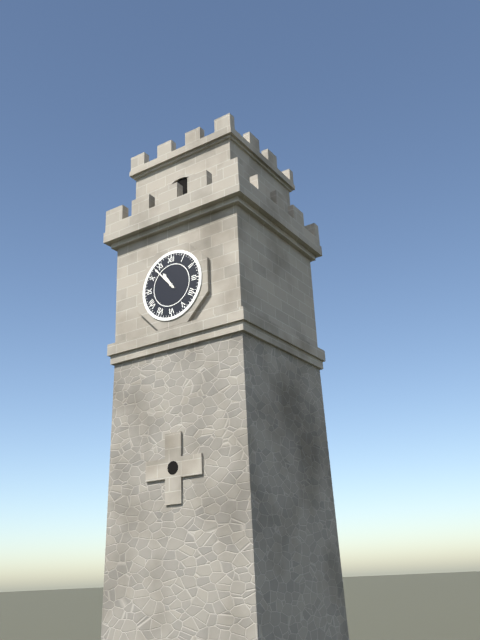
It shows 10.53
